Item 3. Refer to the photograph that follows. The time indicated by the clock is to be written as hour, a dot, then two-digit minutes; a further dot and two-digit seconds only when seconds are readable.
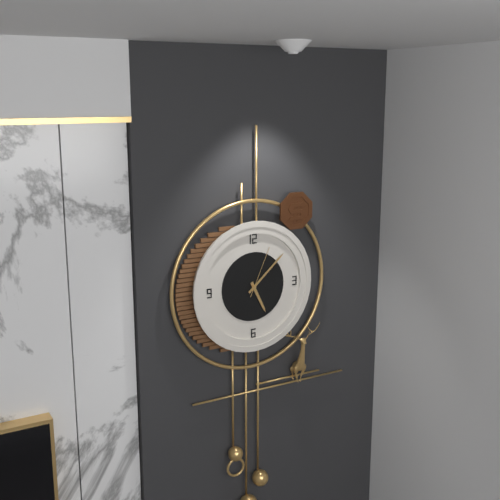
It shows 5.08.04
